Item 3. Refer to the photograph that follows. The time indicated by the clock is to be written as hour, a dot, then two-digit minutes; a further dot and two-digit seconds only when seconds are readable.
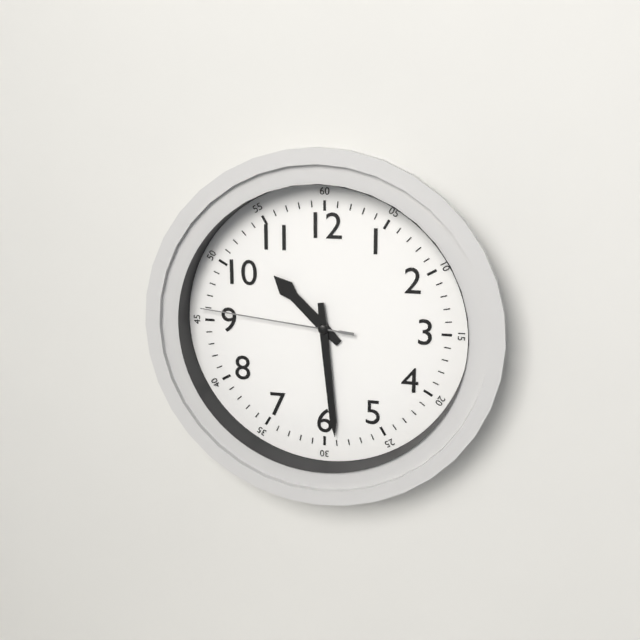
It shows 10.29.46
